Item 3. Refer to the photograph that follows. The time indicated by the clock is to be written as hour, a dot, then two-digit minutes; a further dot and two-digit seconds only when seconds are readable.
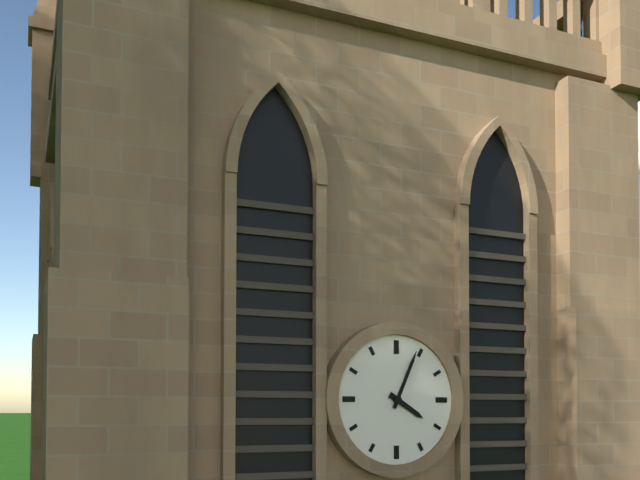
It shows 4.04
